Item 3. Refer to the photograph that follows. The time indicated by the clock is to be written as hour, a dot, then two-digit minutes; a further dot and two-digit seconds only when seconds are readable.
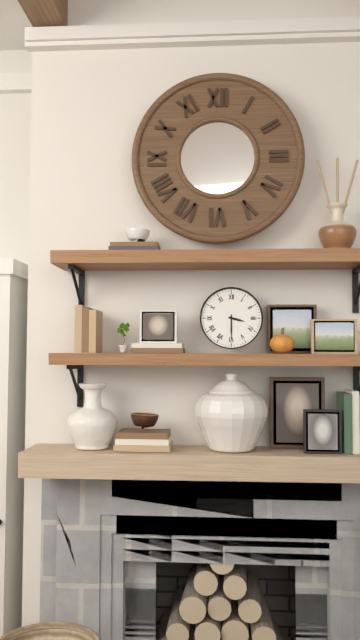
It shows 3.30
